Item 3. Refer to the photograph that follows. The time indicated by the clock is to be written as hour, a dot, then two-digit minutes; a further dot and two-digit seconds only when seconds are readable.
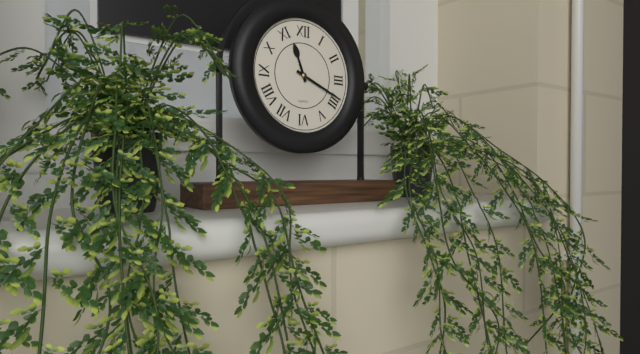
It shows 11.19
